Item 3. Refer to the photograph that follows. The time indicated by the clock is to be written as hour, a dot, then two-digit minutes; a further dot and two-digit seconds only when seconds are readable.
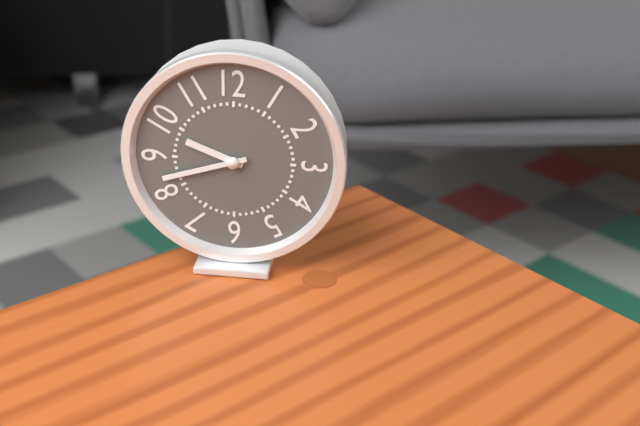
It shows 9.42
